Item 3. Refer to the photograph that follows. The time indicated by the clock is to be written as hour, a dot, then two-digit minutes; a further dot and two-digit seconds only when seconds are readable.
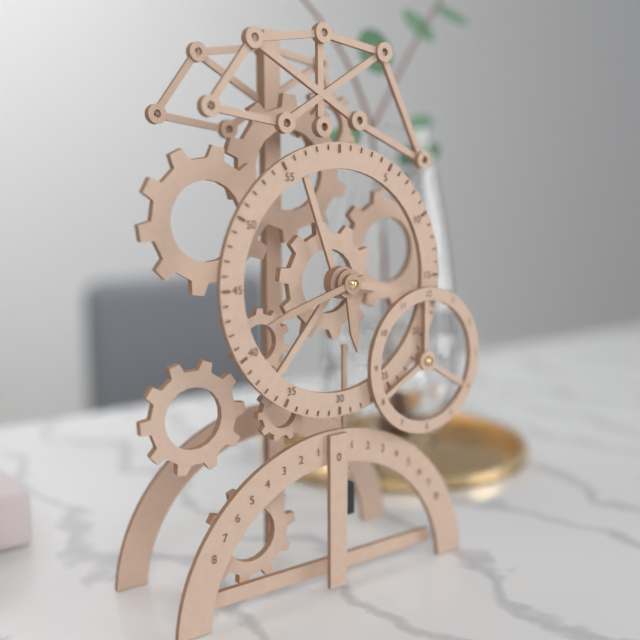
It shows 5.42
